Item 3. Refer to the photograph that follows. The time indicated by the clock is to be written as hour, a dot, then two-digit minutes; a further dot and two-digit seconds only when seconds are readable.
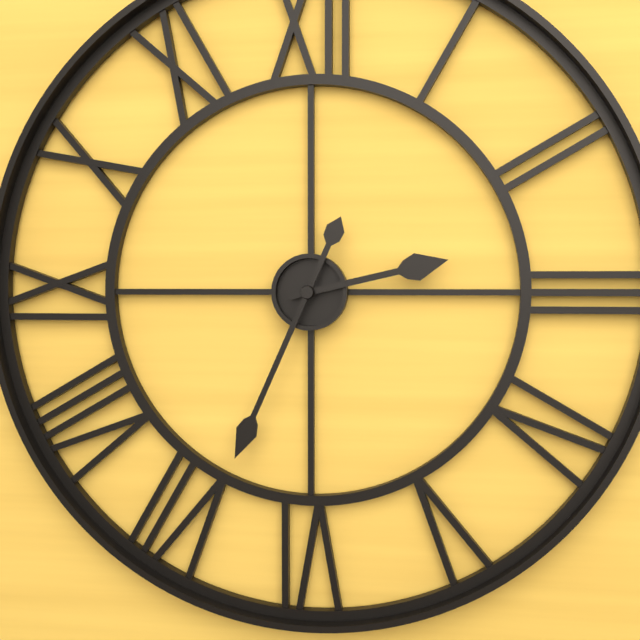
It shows 2.34
